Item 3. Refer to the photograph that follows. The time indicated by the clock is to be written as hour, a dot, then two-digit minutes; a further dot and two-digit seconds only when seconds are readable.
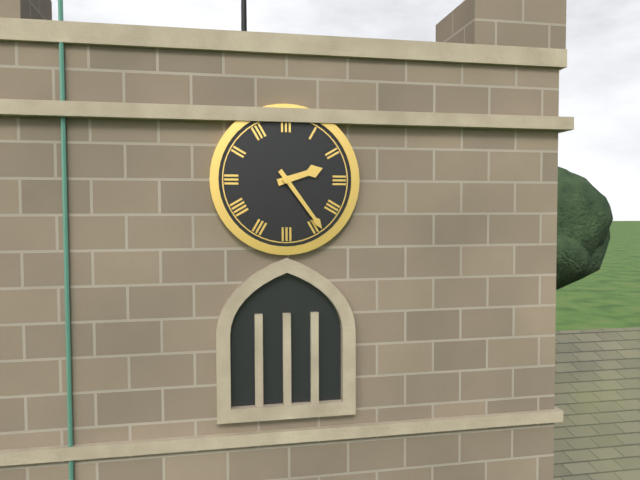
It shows 2.24
